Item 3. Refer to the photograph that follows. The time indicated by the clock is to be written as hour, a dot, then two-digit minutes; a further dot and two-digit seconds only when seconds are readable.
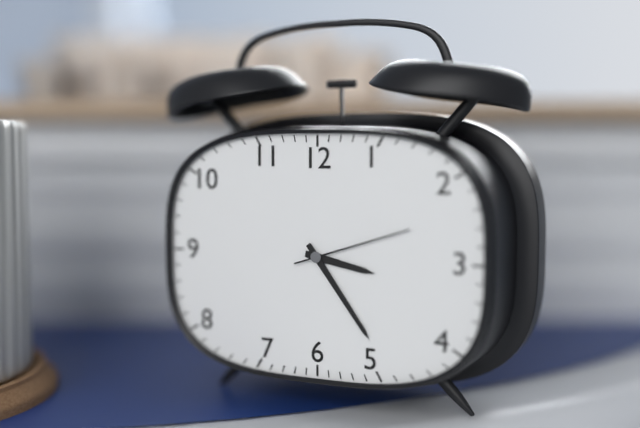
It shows 3.24.12
